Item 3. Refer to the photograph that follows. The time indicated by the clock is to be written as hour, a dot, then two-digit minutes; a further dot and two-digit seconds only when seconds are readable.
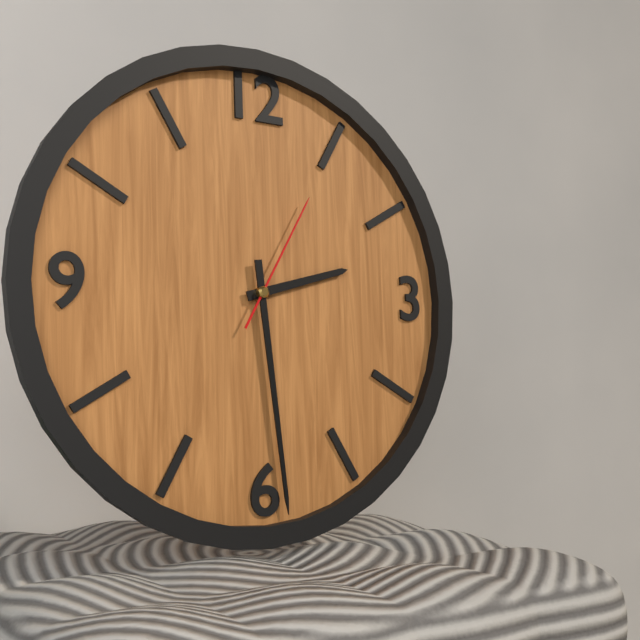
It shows 2.29.05
